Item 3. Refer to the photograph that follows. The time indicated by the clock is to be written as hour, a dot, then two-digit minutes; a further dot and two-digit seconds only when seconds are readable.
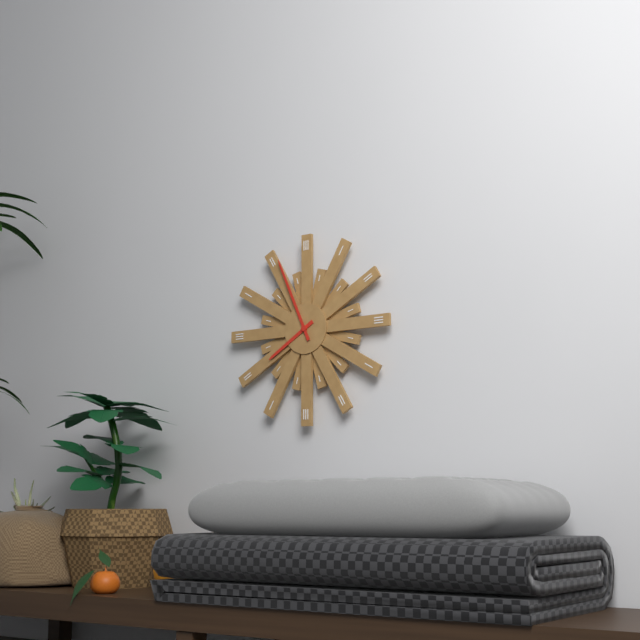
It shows 7.56
